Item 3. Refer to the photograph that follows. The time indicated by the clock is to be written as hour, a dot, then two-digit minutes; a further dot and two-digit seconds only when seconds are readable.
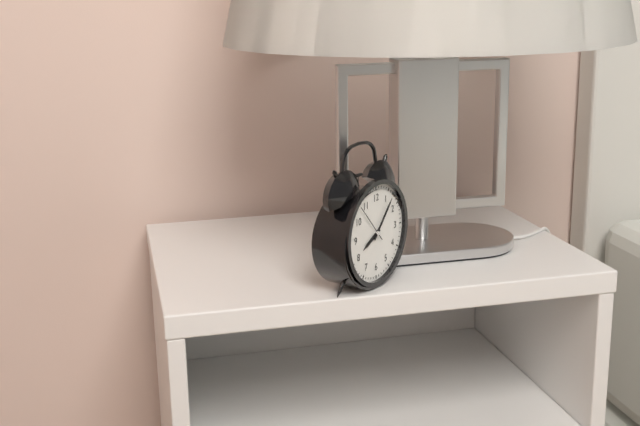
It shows 8.07
